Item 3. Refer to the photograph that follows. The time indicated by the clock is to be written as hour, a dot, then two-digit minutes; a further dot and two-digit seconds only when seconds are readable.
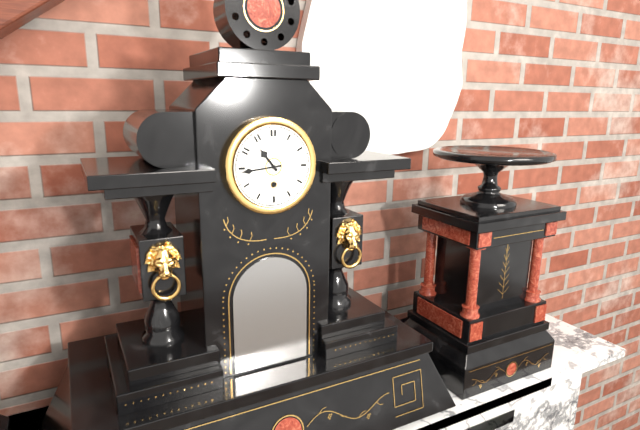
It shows 10.44
